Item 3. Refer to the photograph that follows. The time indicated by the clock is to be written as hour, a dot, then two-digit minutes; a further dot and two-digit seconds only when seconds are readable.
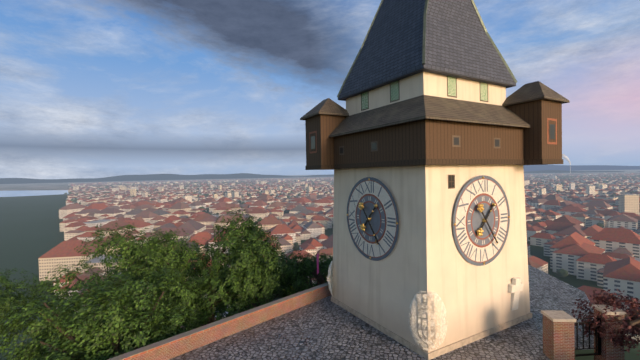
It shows 1.24
